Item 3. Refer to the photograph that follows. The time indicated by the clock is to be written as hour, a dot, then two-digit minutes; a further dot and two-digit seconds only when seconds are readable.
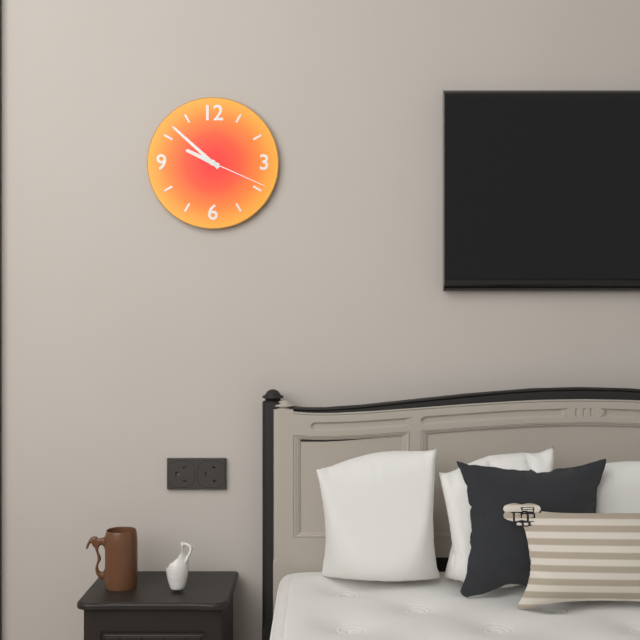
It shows 9.52.19
